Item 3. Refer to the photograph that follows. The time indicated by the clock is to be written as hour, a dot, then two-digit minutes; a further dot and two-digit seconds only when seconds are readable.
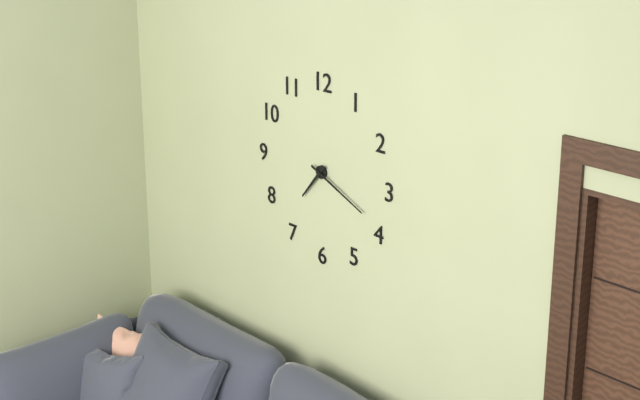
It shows 7.19
